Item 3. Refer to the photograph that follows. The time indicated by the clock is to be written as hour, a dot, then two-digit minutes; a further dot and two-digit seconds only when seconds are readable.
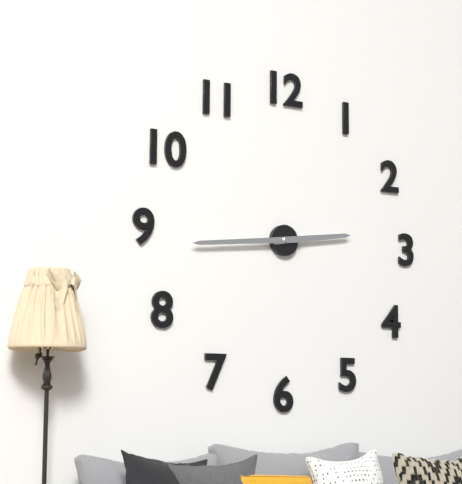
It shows 2.44
